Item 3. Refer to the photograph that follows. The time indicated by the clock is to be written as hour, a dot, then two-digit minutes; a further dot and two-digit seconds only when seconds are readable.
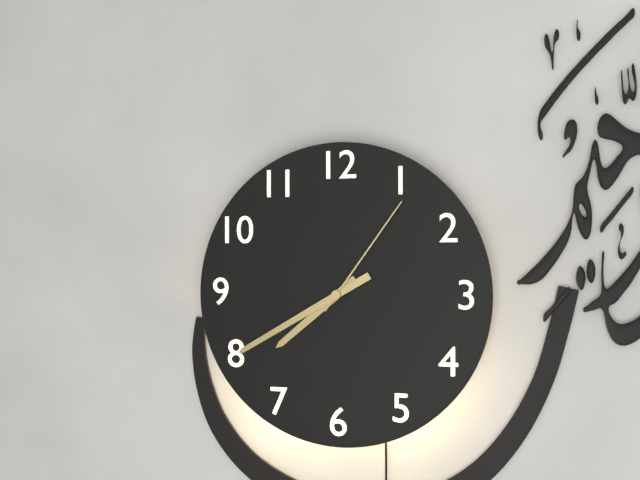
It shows 7.40.06
